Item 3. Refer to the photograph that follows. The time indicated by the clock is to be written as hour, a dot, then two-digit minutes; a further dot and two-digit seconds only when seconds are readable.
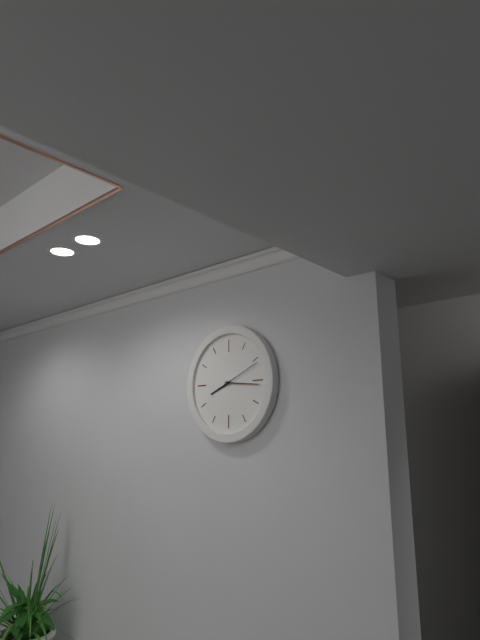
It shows 8.16
